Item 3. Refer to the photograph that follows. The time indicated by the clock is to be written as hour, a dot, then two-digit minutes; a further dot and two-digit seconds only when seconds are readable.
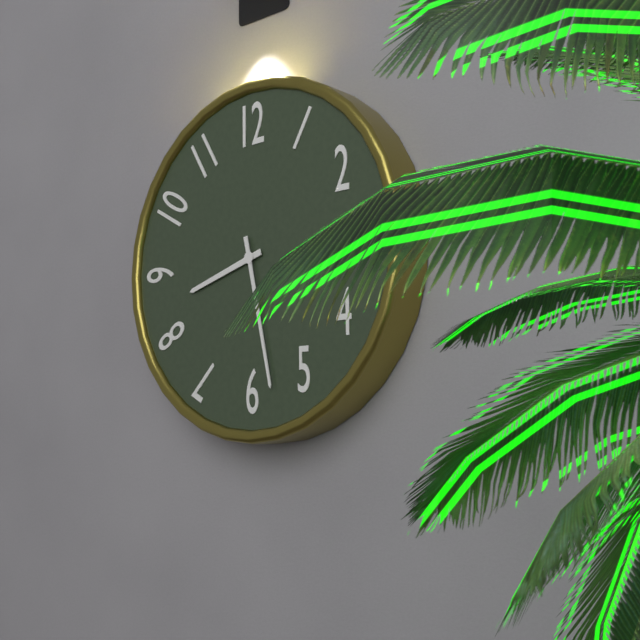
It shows 8.28
